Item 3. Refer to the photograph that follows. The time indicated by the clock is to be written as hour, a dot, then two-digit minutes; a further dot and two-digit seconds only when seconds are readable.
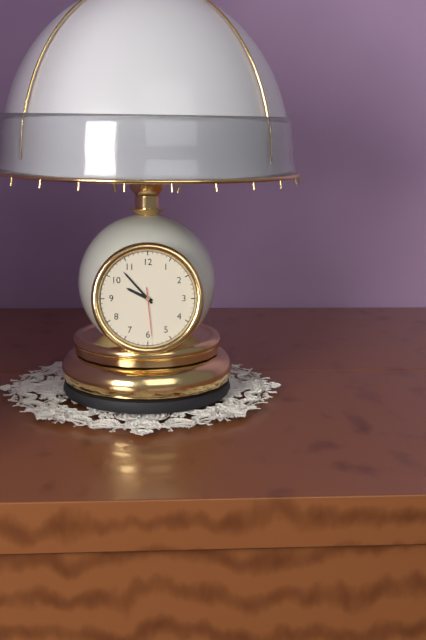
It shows 9.53.29
